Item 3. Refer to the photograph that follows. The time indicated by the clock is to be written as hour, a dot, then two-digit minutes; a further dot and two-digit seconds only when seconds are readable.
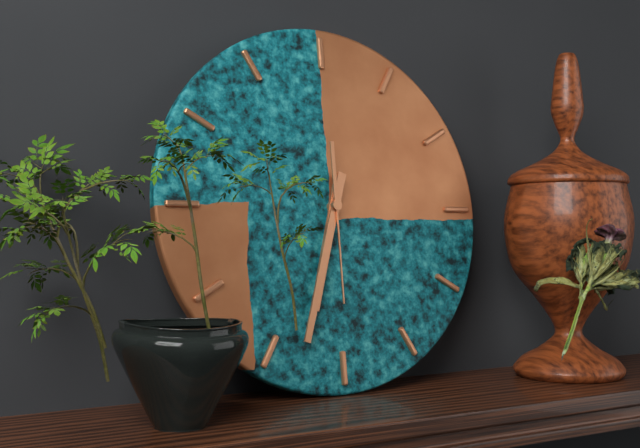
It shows 6.33.30
